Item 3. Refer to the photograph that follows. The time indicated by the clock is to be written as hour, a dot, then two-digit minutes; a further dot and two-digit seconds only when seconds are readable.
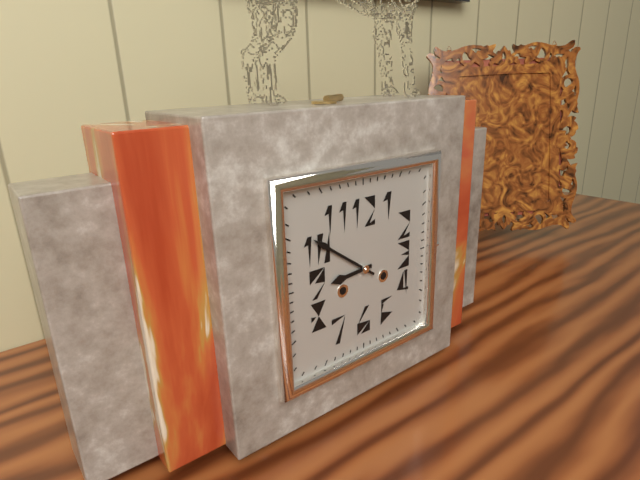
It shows 8.51
